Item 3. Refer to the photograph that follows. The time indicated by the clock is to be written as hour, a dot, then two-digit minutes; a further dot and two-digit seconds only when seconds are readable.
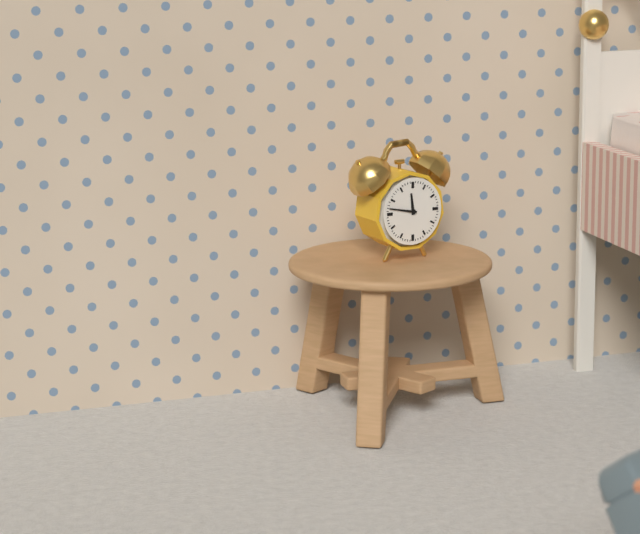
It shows 11.47
